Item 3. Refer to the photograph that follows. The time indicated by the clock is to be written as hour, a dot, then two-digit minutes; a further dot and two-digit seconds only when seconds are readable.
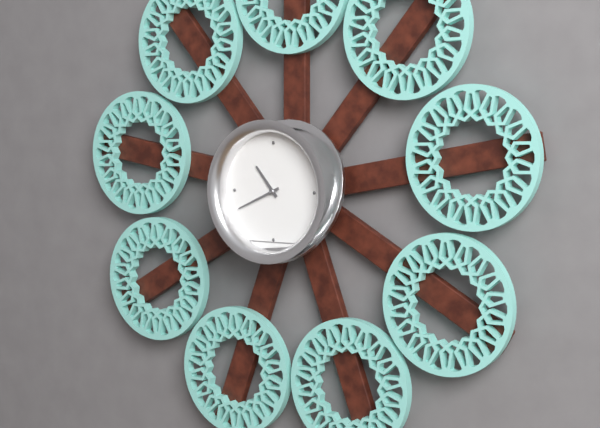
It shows 10.41
